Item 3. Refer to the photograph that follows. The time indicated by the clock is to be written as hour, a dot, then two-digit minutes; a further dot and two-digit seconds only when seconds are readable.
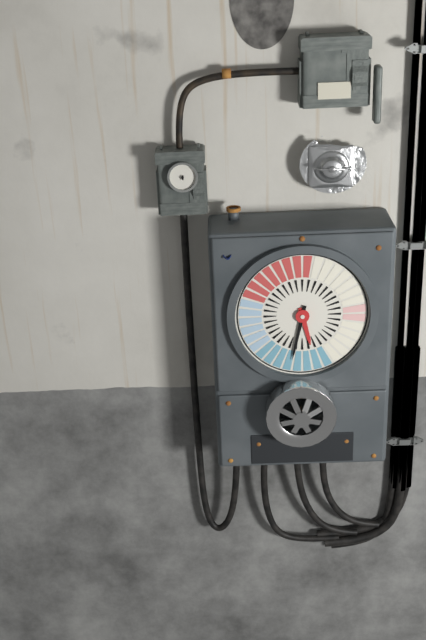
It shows 5.32
